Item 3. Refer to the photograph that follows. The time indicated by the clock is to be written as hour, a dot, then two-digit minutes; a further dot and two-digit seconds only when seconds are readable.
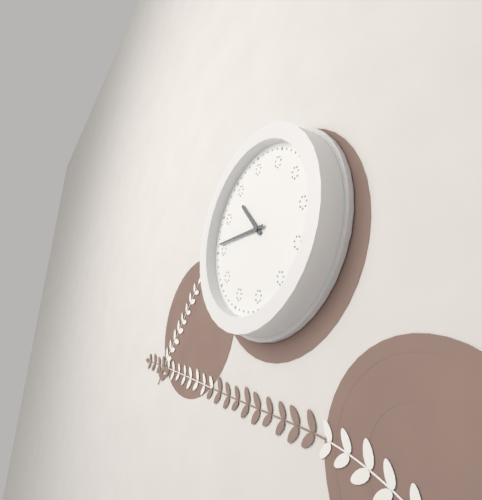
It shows 10.46
